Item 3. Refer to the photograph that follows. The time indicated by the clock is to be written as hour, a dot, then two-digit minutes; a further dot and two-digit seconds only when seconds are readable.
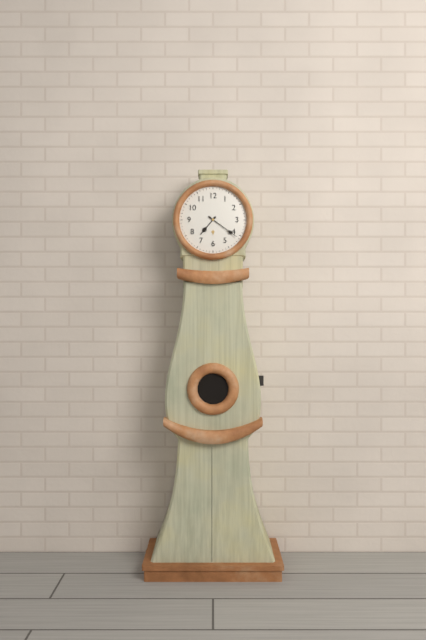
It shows 7.21
